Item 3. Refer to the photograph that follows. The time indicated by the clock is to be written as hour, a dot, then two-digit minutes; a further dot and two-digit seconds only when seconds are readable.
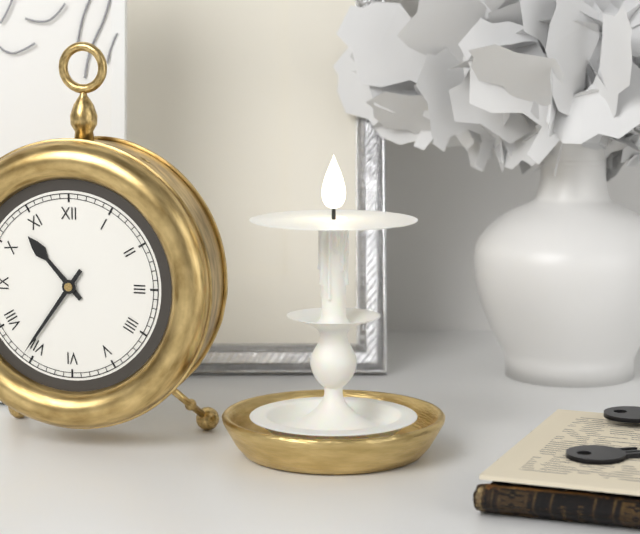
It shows 10.36
